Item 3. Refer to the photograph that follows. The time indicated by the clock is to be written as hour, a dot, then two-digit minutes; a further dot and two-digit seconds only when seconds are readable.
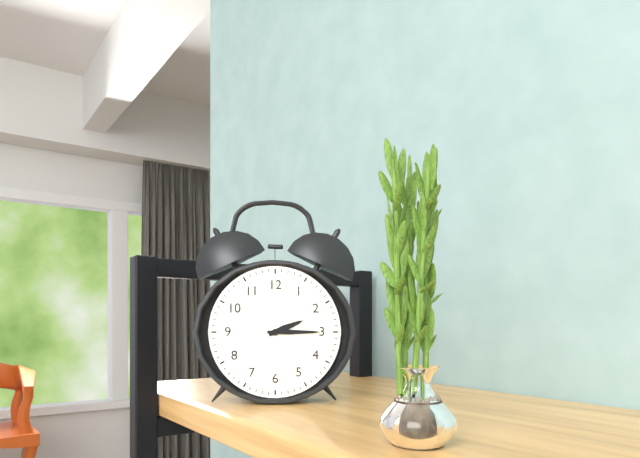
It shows 2.15
